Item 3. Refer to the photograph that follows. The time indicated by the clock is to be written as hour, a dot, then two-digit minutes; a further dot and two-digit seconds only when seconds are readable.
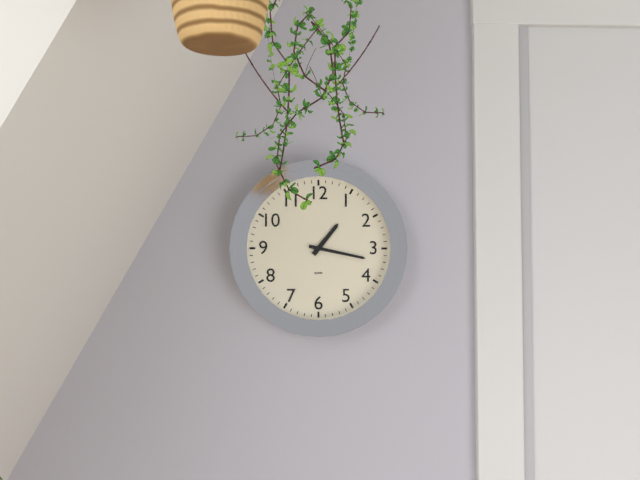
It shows 1.17
